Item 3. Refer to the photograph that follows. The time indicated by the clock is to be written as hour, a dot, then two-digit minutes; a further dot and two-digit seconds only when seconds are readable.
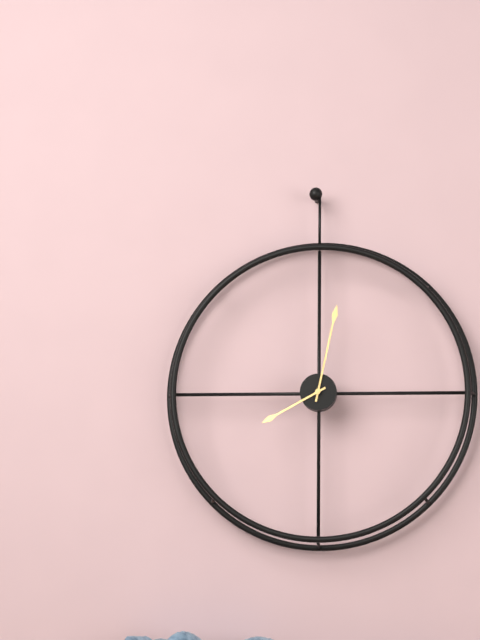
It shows 8.02
